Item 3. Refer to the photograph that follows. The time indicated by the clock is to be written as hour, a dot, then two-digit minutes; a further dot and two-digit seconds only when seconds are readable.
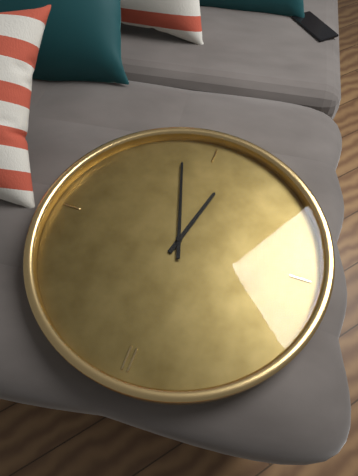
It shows 6.27
